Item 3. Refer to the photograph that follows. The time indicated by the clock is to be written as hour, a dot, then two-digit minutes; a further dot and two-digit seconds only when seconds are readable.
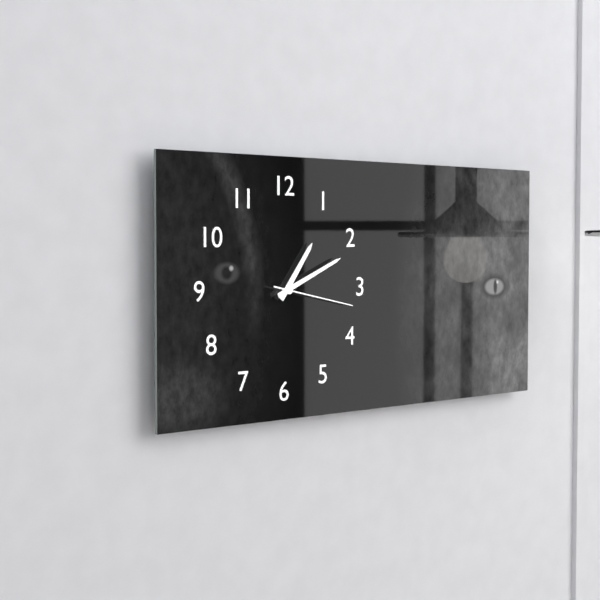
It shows 1.11.17
